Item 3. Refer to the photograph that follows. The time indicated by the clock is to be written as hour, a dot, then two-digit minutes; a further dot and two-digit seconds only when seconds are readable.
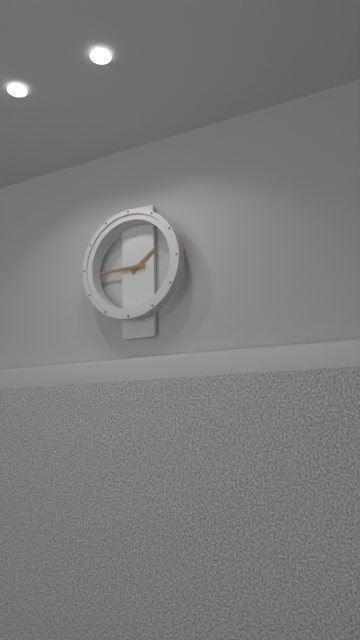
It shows 1.45
